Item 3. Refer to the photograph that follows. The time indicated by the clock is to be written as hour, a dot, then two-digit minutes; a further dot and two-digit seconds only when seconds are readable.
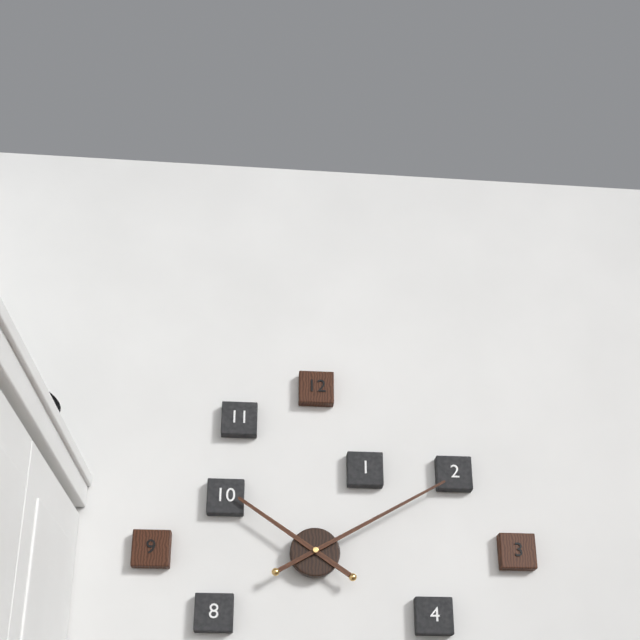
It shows 10.10
